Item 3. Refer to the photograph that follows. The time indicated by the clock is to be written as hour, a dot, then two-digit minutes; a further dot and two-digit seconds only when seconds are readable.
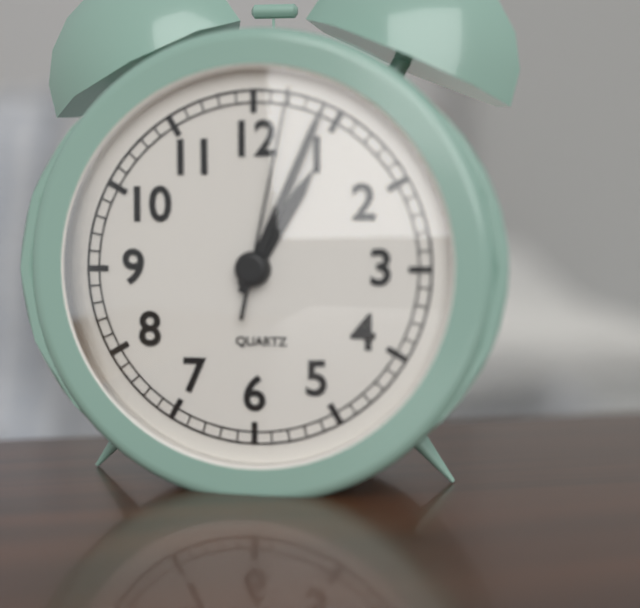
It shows 1.04.02
